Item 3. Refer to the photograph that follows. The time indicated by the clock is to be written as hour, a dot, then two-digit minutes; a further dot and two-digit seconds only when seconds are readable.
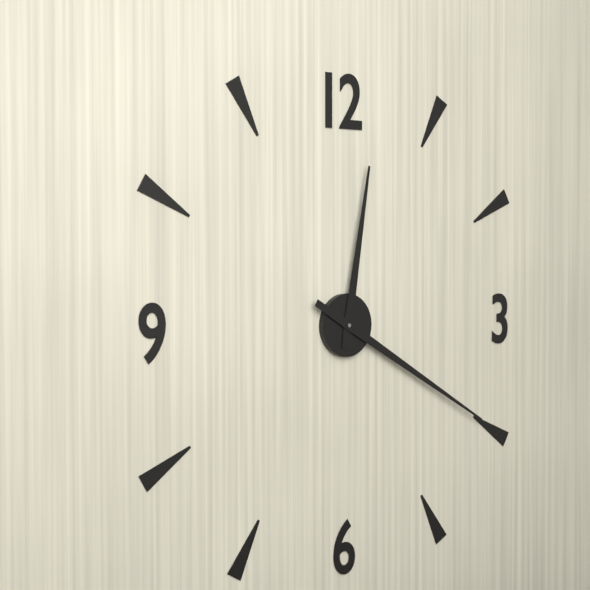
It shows 12.20
